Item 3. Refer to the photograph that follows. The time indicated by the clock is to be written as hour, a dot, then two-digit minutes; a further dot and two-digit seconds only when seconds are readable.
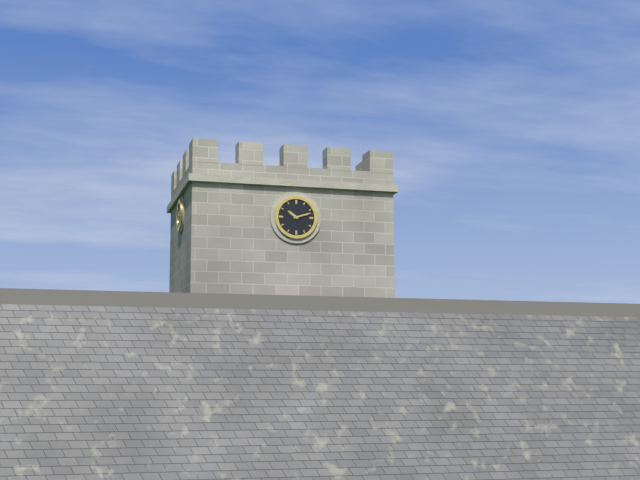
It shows 10.12
